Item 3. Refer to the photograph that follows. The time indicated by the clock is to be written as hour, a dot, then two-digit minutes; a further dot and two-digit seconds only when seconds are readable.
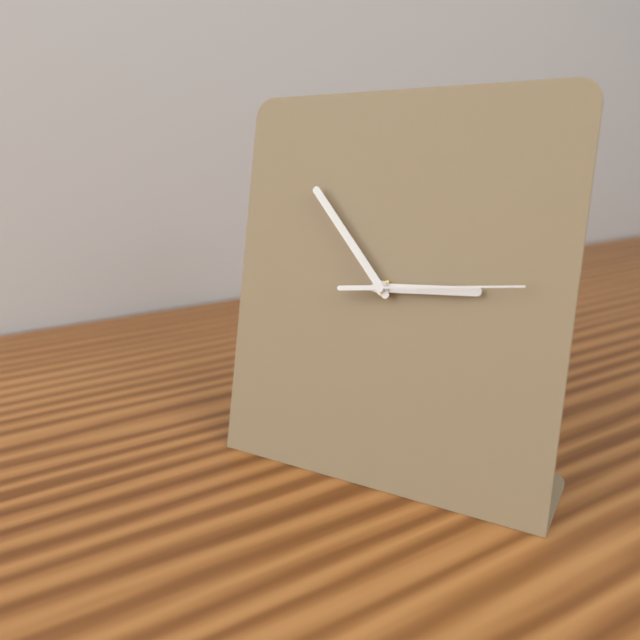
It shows 2.53.14
